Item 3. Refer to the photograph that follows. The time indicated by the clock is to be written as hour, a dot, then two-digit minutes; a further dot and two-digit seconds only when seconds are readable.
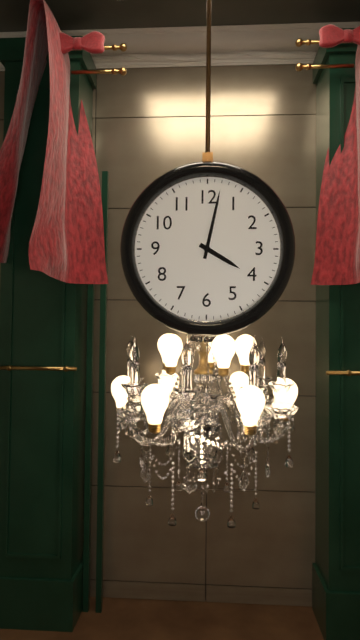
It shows 4.02
